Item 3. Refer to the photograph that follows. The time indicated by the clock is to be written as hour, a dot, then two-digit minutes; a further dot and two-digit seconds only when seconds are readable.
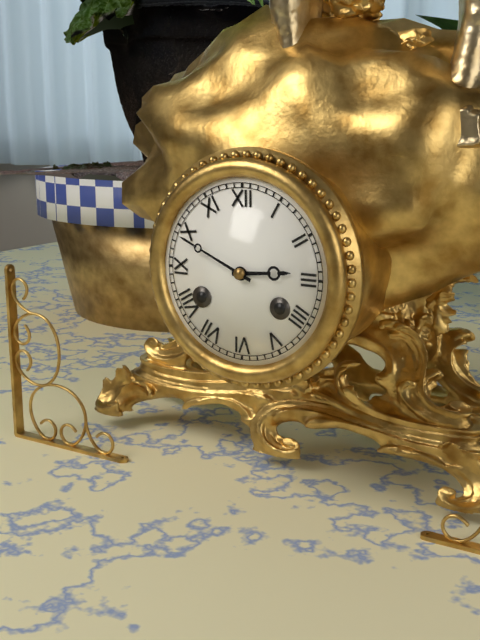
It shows 2.49
